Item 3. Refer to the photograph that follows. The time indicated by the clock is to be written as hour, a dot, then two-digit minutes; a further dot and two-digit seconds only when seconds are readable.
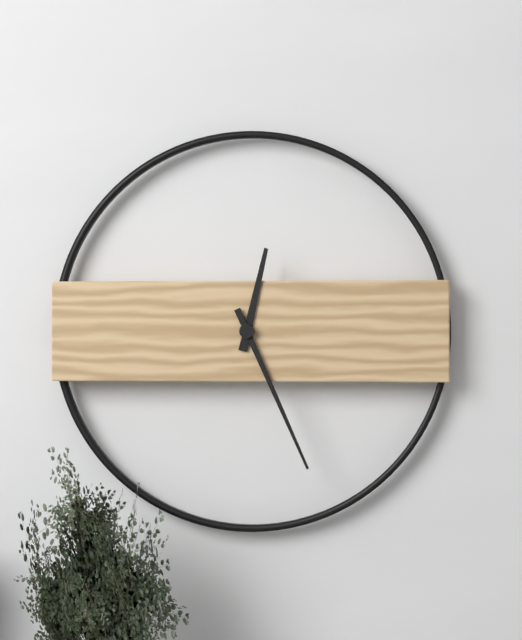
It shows 12.26
